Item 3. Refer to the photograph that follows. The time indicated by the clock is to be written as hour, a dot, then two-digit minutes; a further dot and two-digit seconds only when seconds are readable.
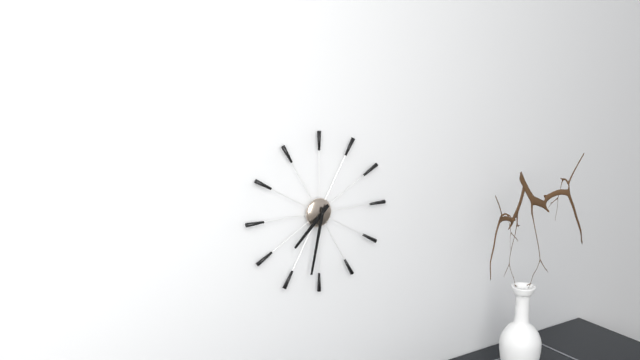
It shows 7.32
